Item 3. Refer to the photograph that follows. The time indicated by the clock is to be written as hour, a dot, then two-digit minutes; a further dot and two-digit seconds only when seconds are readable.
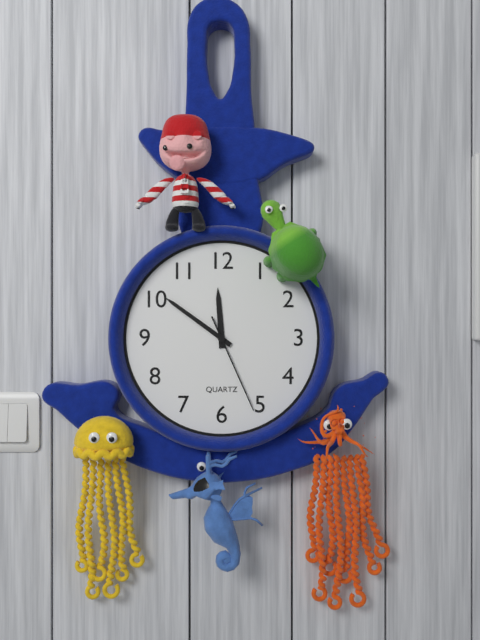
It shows 11.51.26
